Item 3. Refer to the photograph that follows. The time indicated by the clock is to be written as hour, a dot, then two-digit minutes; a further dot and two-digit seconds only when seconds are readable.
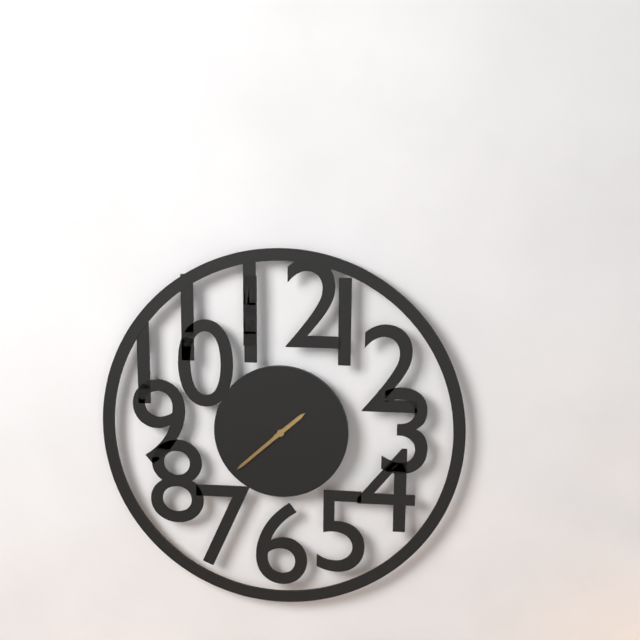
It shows 1.38
